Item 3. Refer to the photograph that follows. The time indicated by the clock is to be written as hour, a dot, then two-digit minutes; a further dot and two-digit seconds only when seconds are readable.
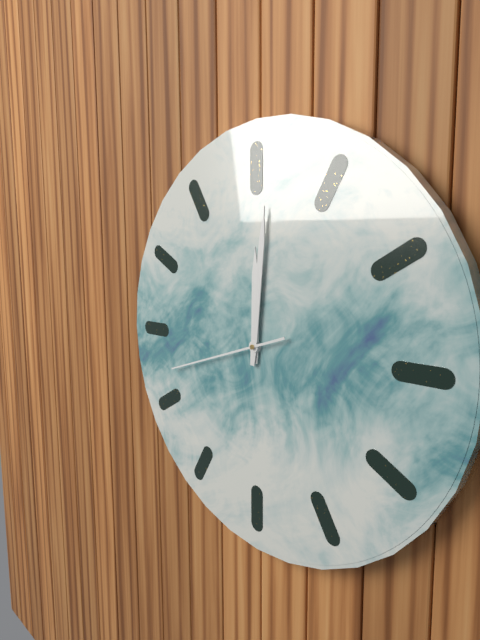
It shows 12.01.42
